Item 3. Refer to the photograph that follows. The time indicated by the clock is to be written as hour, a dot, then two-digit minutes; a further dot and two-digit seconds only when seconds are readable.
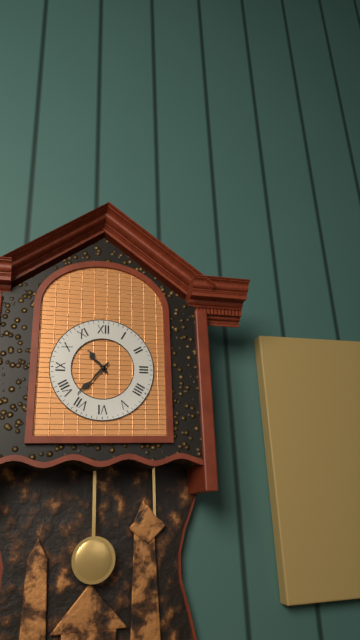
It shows 10.37
